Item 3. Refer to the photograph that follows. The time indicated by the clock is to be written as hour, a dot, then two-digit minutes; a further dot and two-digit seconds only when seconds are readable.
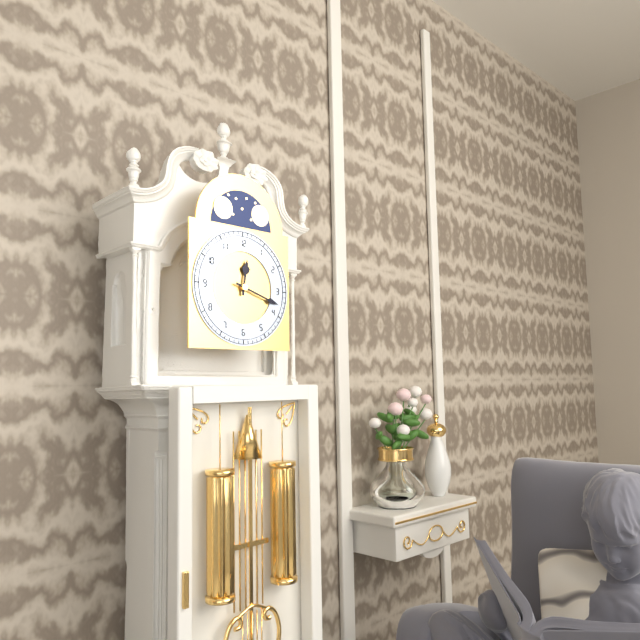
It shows 12.18
